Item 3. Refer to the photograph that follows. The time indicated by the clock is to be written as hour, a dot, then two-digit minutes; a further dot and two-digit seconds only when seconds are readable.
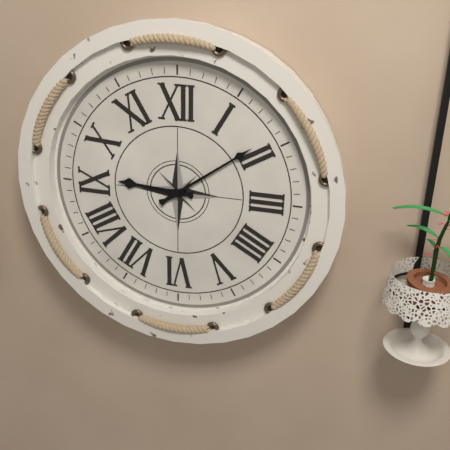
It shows 9.09
